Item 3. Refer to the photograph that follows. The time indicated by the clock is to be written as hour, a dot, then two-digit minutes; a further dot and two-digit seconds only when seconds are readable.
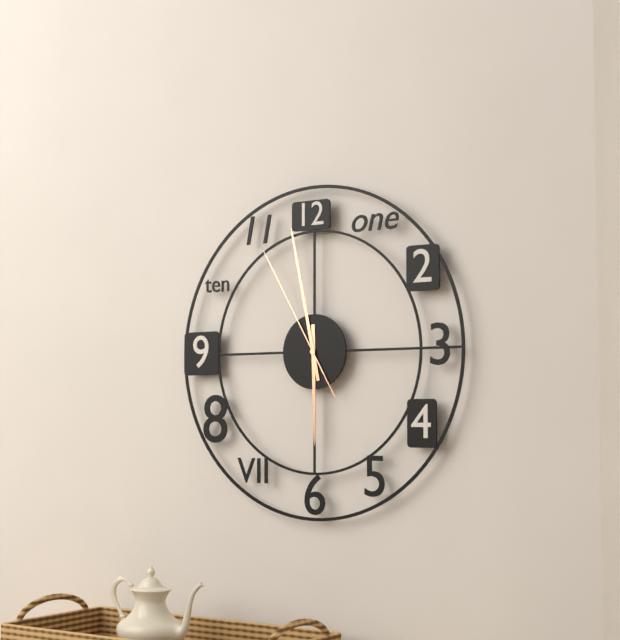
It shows 5.58.55
